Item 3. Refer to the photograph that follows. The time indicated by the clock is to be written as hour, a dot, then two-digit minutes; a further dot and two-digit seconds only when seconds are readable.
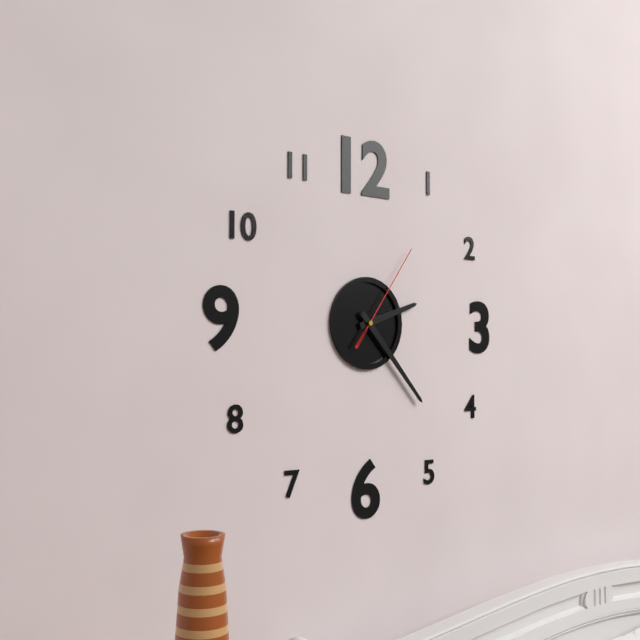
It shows 2.23.06
